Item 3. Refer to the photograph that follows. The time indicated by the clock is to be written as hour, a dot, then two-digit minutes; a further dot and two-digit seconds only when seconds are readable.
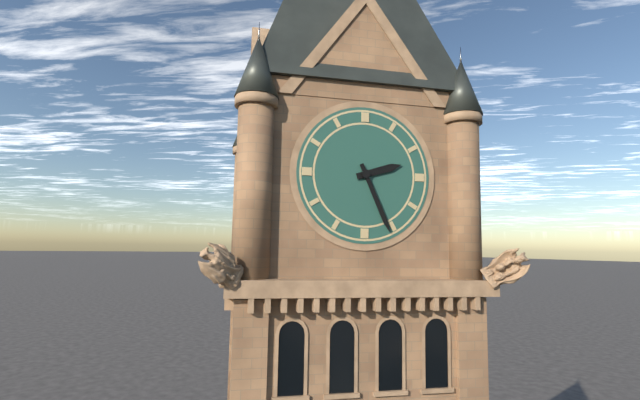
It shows 2.26
